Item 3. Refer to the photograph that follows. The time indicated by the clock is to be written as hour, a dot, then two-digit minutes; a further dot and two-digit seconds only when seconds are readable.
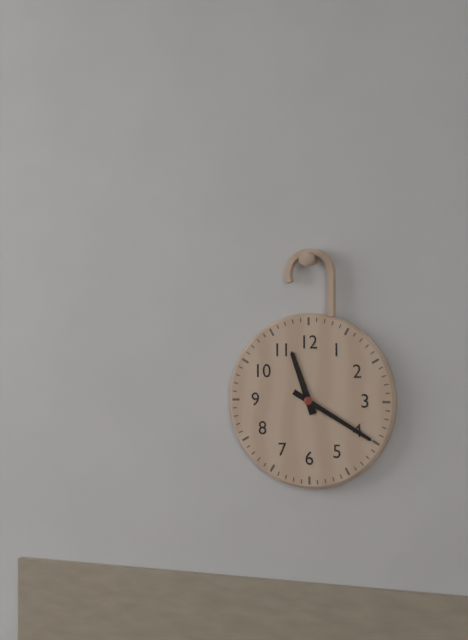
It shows 11.20
